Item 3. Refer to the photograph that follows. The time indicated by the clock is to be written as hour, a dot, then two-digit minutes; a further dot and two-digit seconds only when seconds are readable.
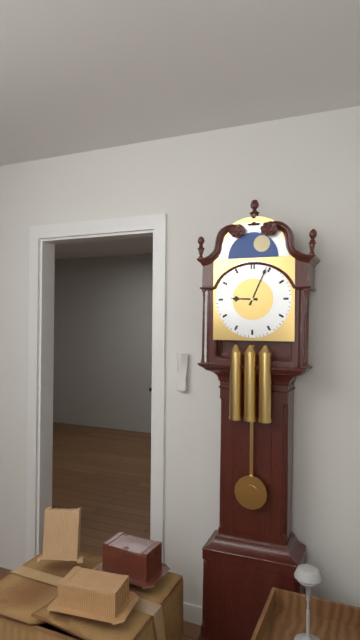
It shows 9.04
